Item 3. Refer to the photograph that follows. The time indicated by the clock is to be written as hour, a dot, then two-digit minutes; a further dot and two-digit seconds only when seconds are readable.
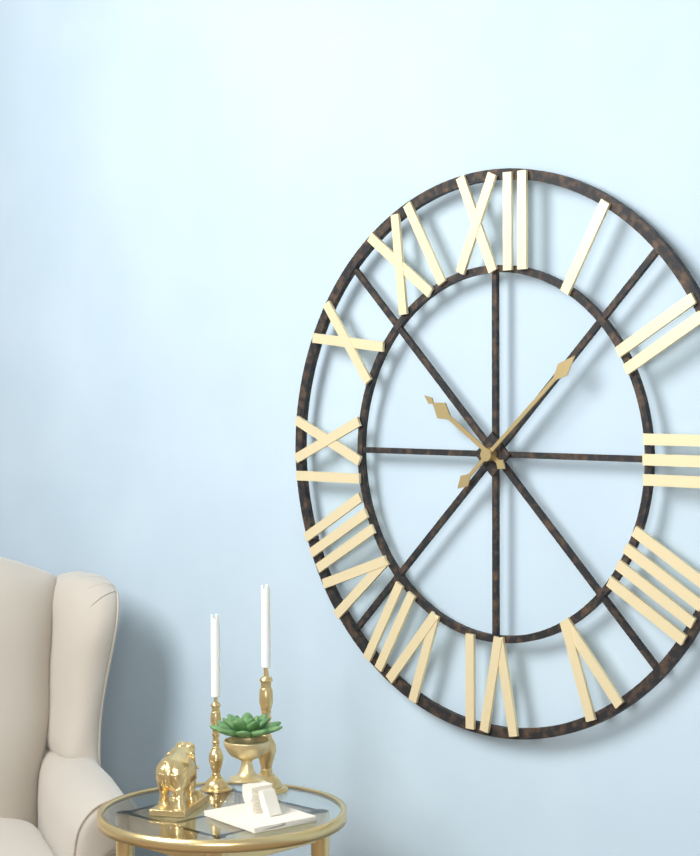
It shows 10.08
